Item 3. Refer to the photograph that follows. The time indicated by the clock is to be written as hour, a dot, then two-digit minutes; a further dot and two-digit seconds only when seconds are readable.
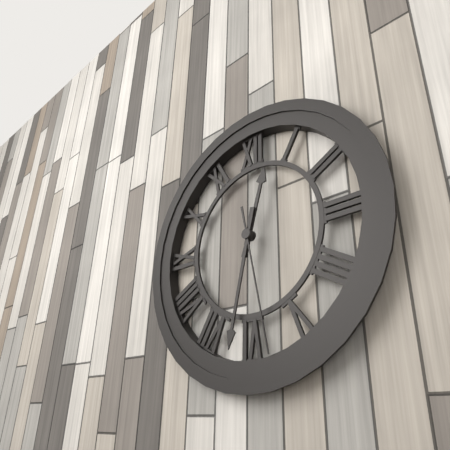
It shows 12.32.28
